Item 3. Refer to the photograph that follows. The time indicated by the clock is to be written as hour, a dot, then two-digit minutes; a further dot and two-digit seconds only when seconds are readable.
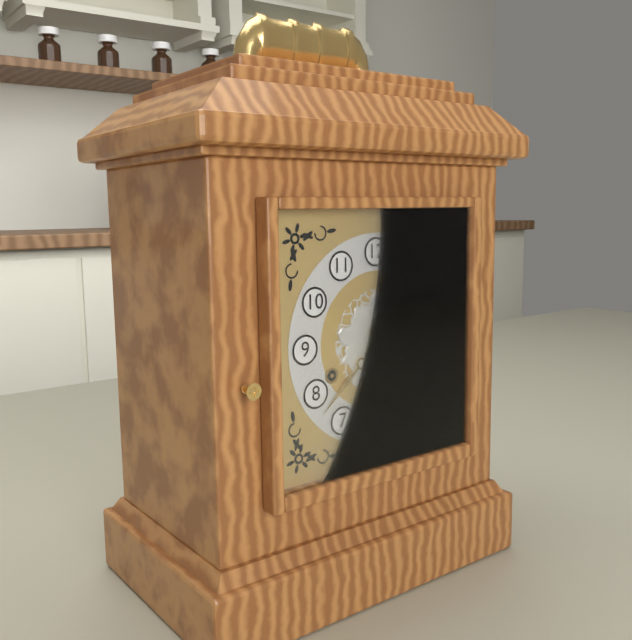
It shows 4.38
